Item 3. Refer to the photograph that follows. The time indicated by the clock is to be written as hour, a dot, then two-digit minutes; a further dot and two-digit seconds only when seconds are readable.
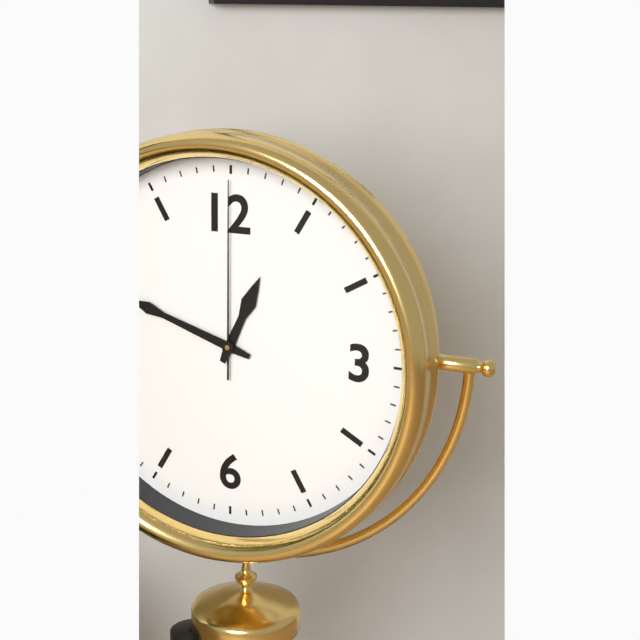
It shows 12.48.00
